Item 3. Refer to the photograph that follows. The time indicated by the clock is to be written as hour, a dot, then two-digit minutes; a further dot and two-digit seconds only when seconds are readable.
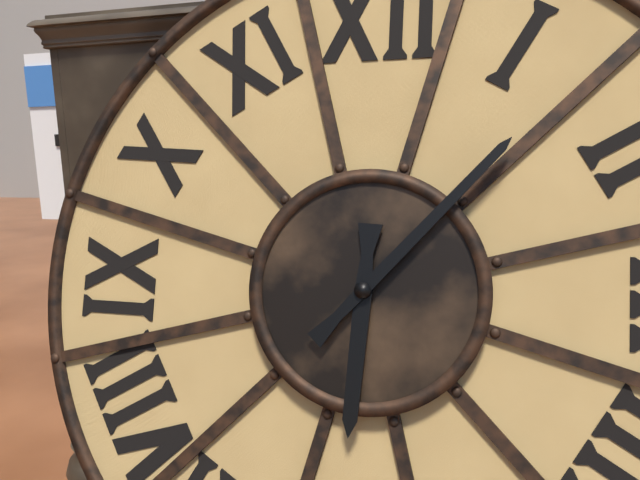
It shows 6.07
